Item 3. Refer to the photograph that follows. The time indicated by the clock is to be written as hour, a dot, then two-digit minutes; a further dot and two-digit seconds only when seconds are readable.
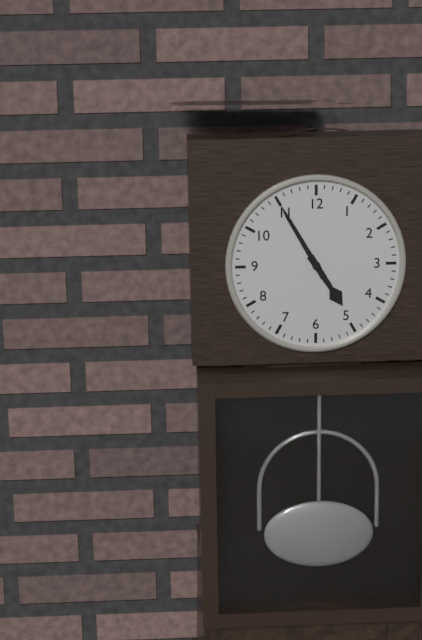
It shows 4.55
